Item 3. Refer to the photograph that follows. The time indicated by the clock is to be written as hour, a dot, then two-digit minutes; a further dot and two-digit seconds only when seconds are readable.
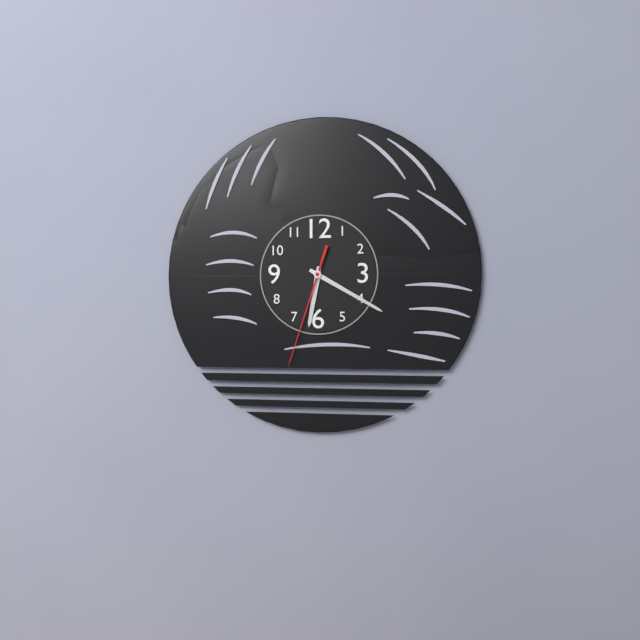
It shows 6.20.33
